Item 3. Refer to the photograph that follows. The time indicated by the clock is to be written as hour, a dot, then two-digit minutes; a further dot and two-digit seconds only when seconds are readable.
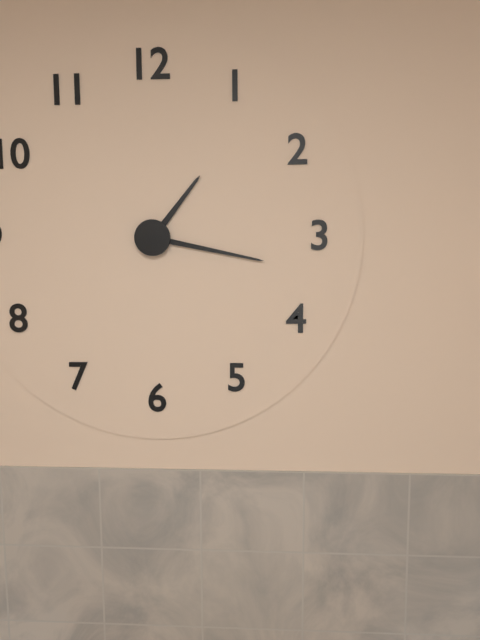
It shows 1.17
